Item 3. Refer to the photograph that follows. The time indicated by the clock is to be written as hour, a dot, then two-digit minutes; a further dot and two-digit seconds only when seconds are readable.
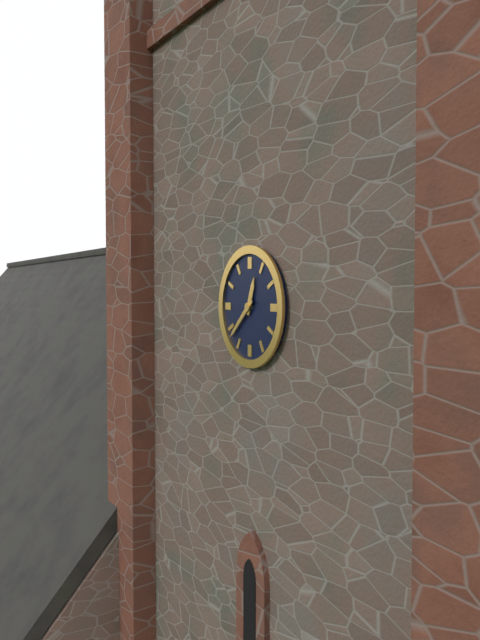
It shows 12.38
